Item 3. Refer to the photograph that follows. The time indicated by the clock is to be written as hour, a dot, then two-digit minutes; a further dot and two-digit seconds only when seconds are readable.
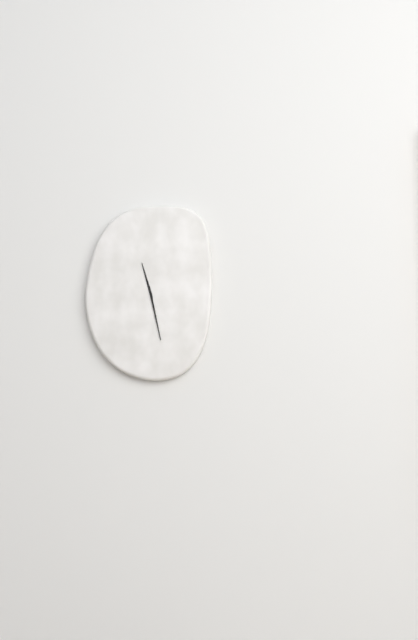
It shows 11.28
